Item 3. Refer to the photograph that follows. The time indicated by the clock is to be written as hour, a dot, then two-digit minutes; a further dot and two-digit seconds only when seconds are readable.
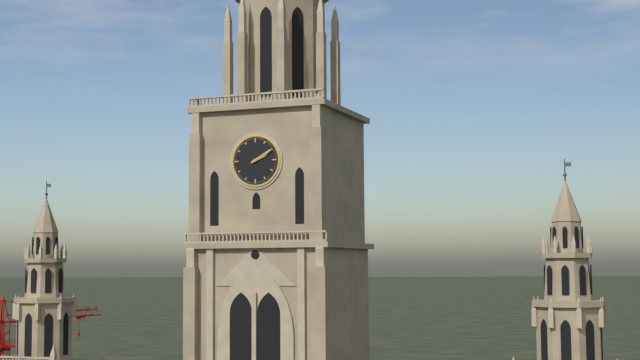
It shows 2.10
